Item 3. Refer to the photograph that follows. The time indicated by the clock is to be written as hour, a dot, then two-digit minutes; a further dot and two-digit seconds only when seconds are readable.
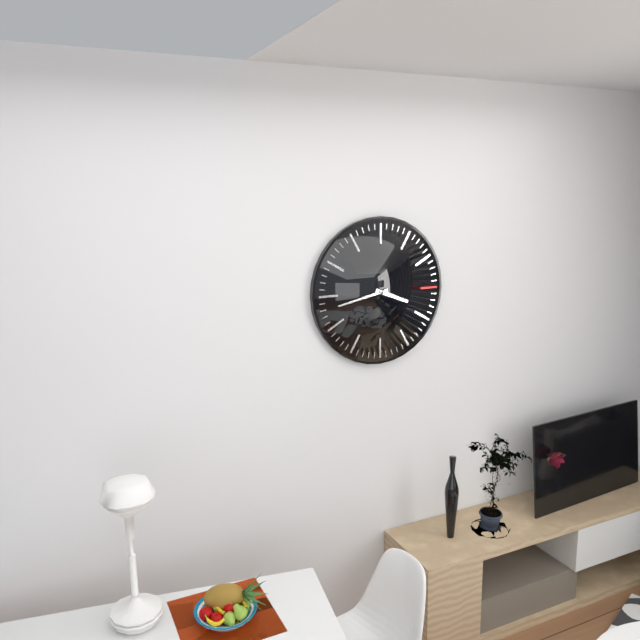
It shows 3.43
